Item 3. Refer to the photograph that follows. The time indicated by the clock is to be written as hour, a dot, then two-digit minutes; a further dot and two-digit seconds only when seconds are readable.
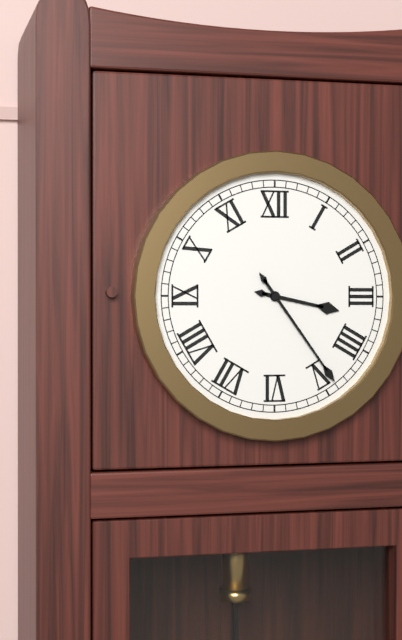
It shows 3.24
